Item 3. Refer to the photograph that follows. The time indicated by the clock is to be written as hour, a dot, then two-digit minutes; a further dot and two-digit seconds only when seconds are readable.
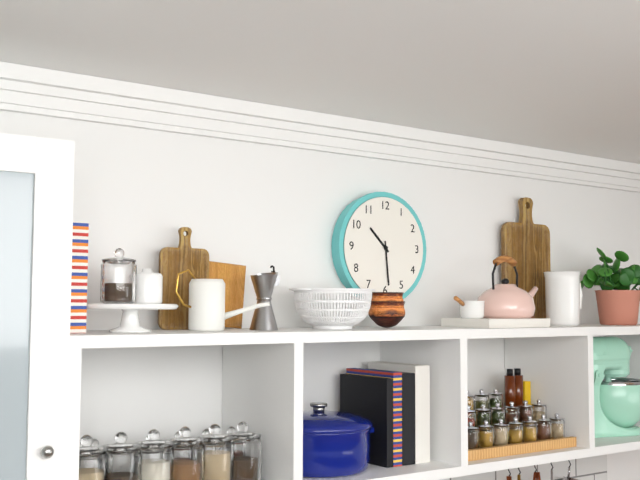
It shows 10.29
